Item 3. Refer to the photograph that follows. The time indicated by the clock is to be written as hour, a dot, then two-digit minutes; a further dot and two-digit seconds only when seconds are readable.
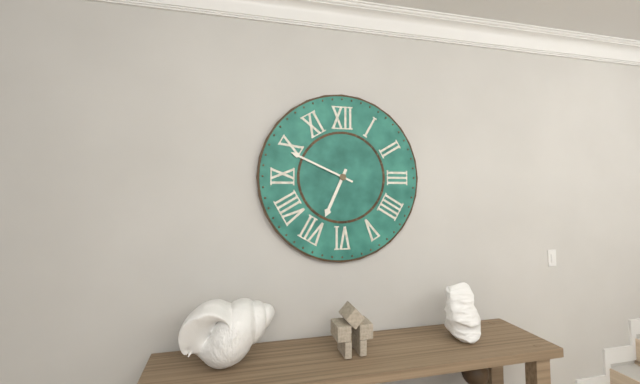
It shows 6.49
